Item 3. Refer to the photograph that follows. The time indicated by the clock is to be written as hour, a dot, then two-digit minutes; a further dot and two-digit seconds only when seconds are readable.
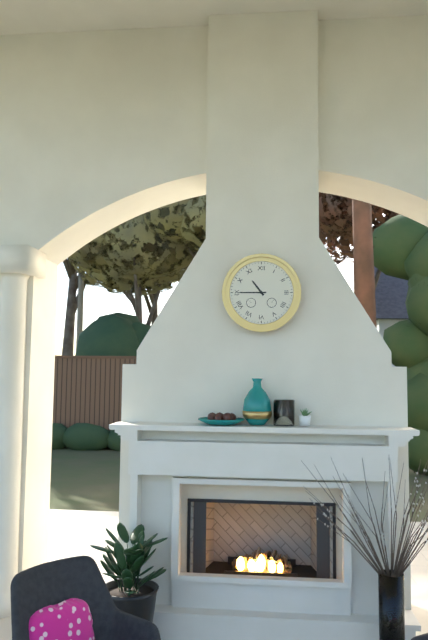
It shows 10.45
